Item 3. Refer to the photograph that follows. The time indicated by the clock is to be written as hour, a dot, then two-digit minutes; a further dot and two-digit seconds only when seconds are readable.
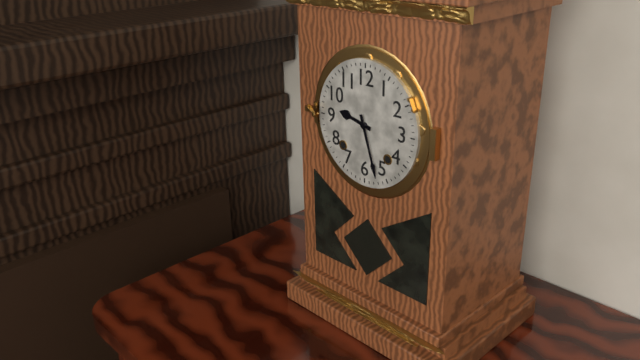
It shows 9.27
